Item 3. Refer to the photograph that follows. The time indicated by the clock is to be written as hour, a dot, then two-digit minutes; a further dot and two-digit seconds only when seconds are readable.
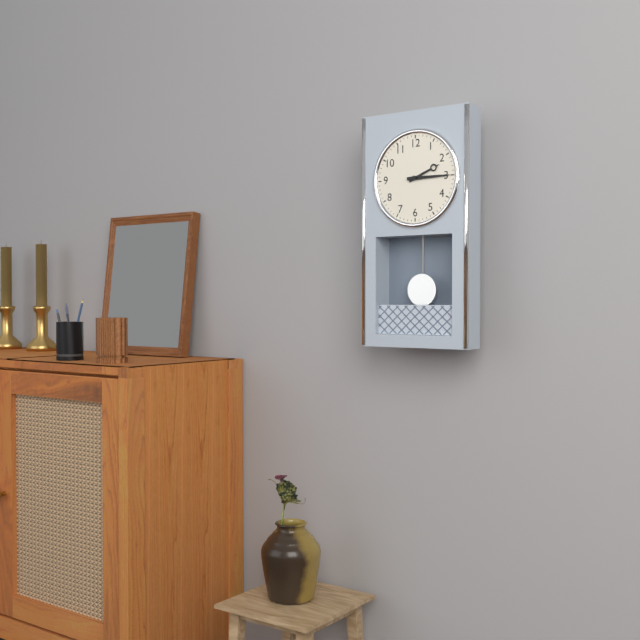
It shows 2.15
